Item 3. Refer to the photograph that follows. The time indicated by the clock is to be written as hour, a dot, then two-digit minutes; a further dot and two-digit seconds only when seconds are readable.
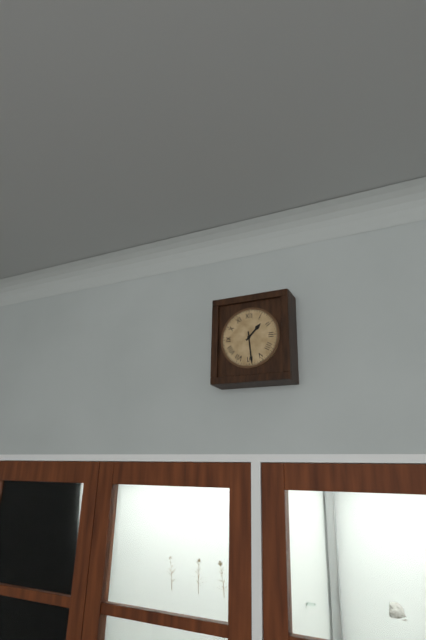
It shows 1.29
